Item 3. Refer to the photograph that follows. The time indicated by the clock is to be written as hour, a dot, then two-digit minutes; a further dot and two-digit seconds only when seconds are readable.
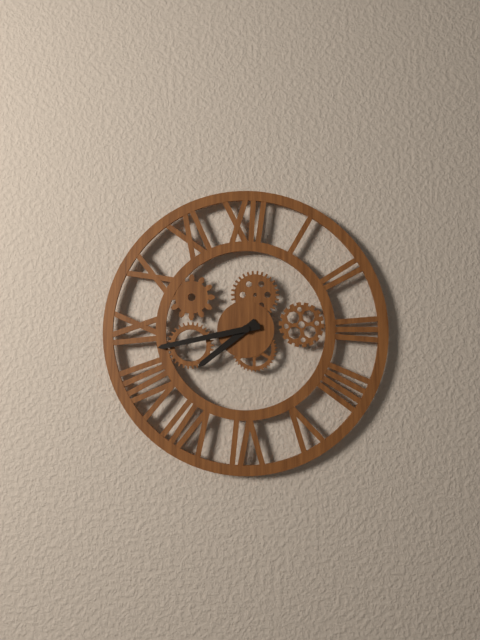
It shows 7.43
